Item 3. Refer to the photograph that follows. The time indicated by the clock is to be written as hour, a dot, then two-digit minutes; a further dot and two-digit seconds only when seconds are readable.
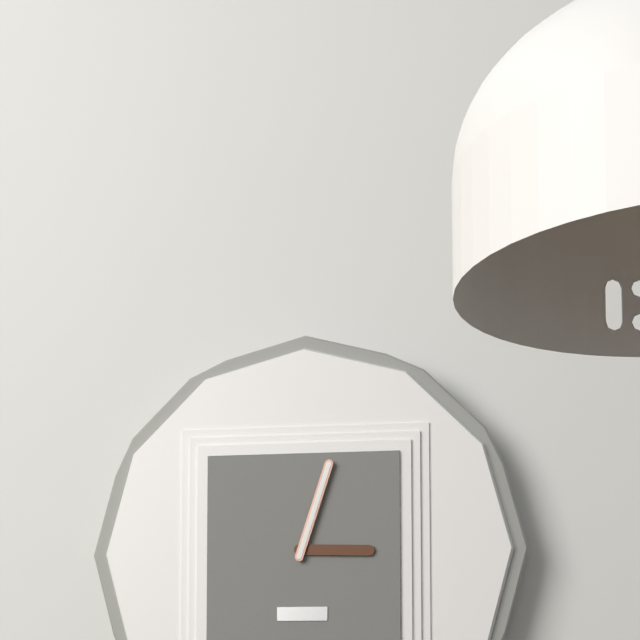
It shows 3.03
